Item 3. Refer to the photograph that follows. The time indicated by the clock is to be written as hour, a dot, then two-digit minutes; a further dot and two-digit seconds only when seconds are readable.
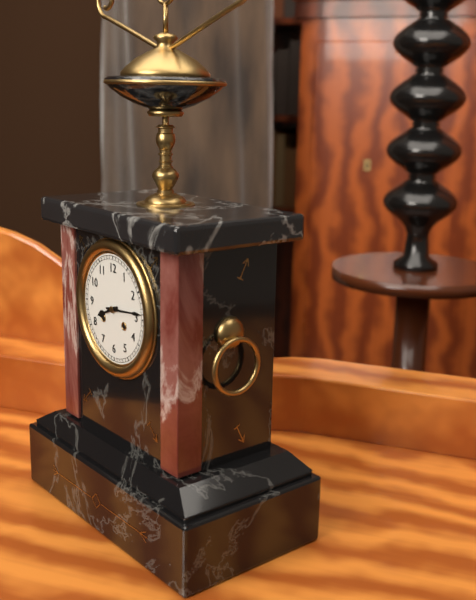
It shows 8.14
